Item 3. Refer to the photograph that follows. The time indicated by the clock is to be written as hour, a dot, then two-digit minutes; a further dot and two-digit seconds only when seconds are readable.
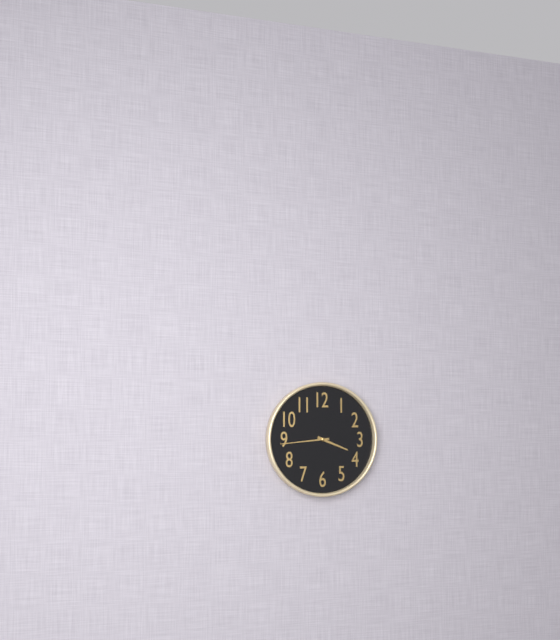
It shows 3.44
